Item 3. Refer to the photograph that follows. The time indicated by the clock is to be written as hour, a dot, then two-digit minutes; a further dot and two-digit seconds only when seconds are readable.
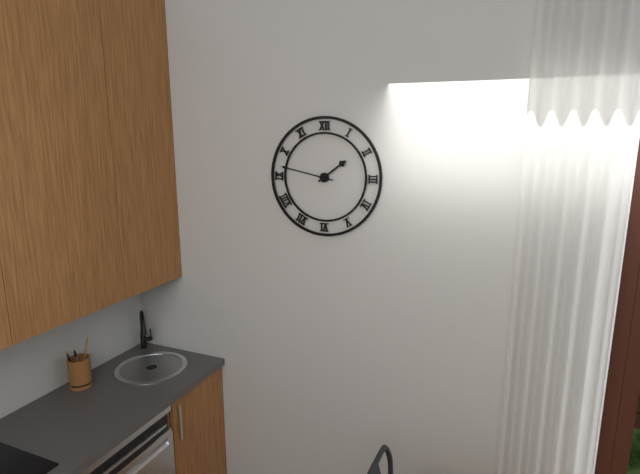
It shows 1.47
